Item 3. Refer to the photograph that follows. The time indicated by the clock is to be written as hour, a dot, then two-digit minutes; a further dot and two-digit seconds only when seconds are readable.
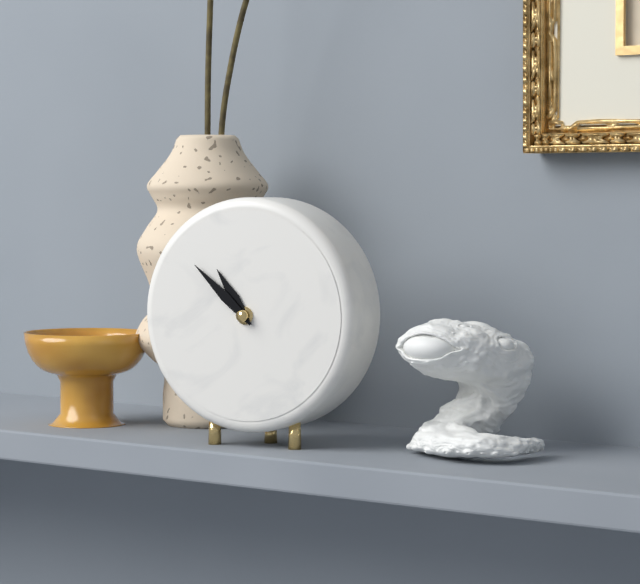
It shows 10.52
